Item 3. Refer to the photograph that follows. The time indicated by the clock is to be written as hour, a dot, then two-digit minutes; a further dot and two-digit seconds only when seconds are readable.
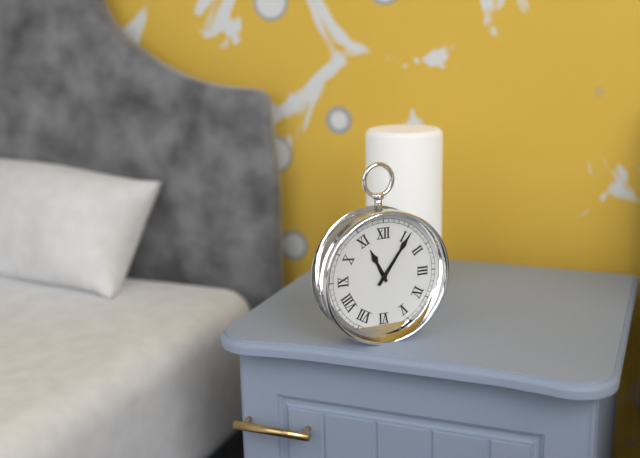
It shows 11.06
